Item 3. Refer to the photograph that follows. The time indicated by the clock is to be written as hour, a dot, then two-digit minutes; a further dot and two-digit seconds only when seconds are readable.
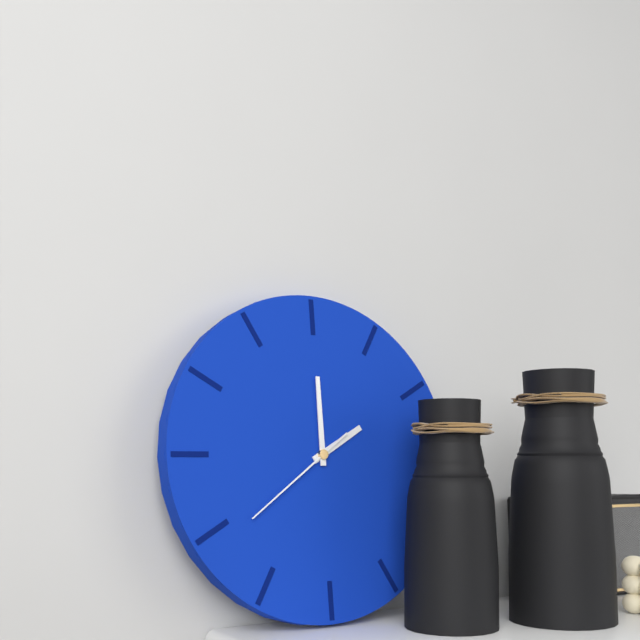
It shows 2.00.39
